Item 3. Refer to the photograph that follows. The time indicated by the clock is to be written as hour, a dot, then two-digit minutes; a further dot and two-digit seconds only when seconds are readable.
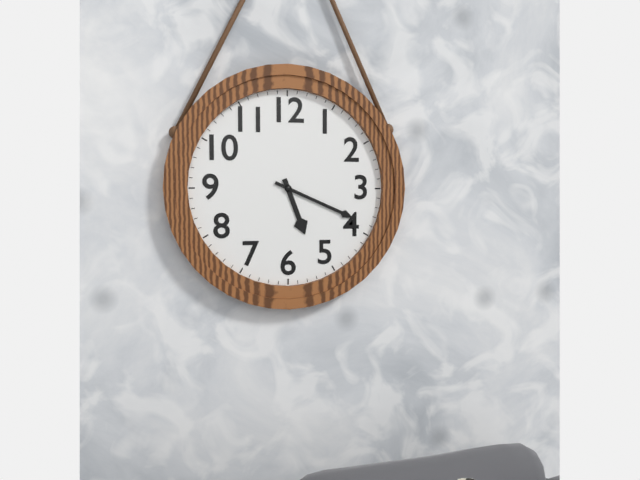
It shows 5.19
